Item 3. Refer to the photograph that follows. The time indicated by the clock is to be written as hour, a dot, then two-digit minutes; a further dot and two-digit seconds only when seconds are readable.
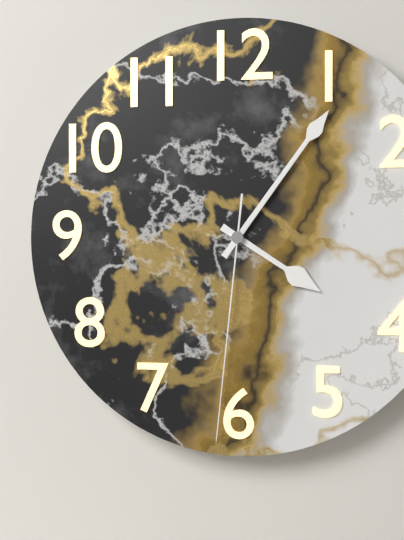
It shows 4.06.31
